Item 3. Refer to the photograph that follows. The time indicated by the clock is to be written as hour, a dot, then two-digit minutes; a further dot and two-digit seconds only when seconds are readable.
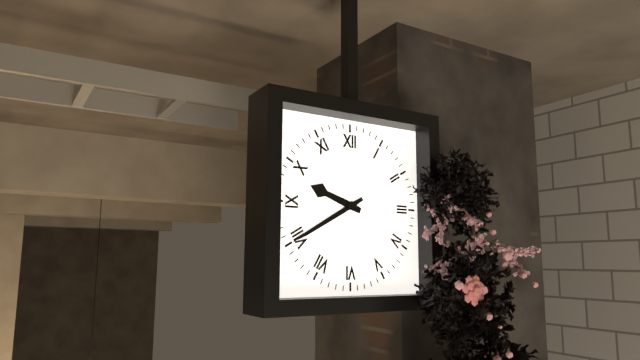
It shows 9.40
